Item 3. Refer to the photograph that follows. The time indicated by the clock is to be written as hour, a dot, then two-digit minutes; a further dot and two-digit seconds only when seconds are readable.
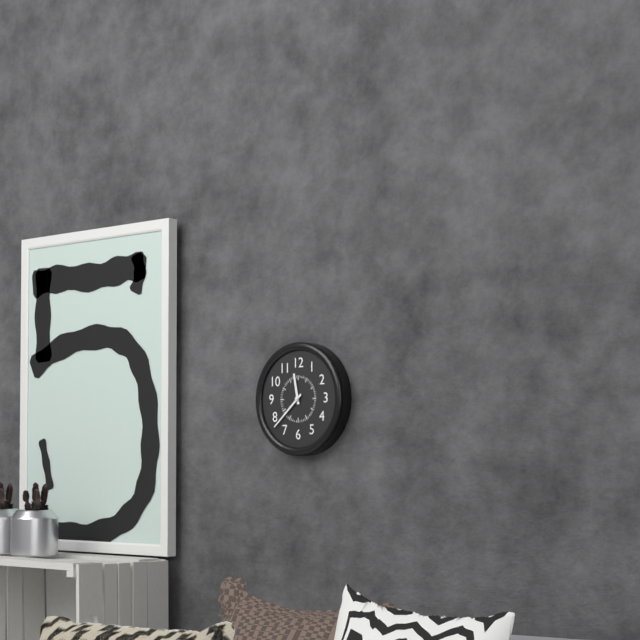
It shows 11.38
